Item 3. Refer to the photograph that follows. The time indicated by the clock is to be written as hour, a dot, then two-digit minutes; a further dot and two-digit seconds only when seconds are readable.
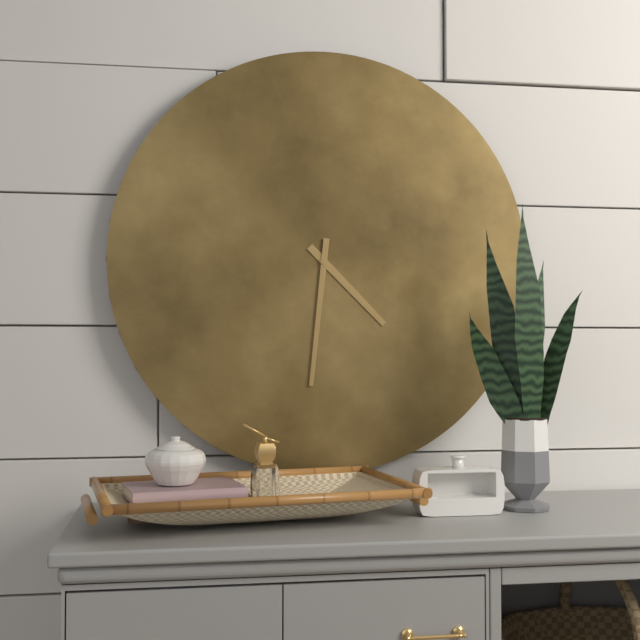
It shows 4.31
